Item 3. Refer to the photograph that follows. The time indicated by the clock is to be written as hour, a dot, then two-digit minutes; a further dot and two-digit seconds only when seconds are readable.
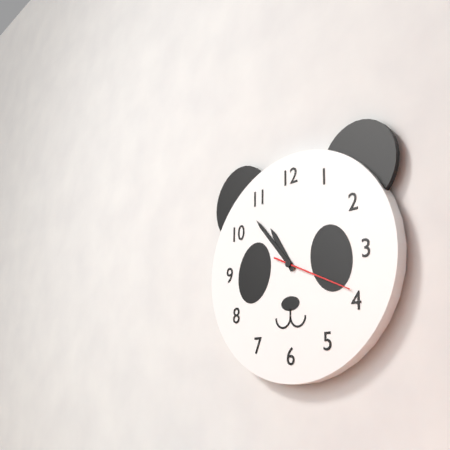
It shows 10.53.19
